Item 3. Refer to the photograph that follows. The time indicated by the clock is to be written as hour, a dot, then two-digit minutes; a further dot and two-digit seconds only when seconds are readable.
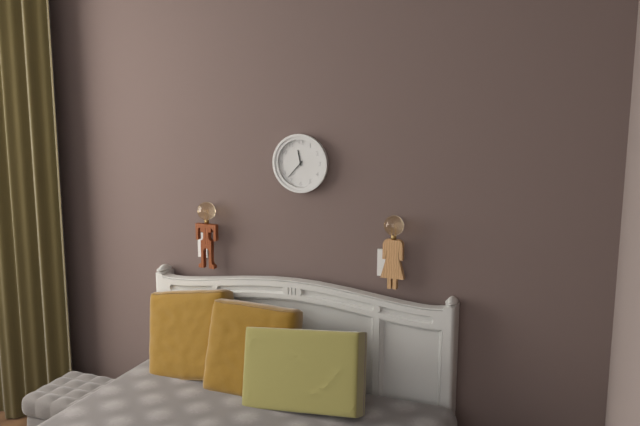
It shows 11.37
